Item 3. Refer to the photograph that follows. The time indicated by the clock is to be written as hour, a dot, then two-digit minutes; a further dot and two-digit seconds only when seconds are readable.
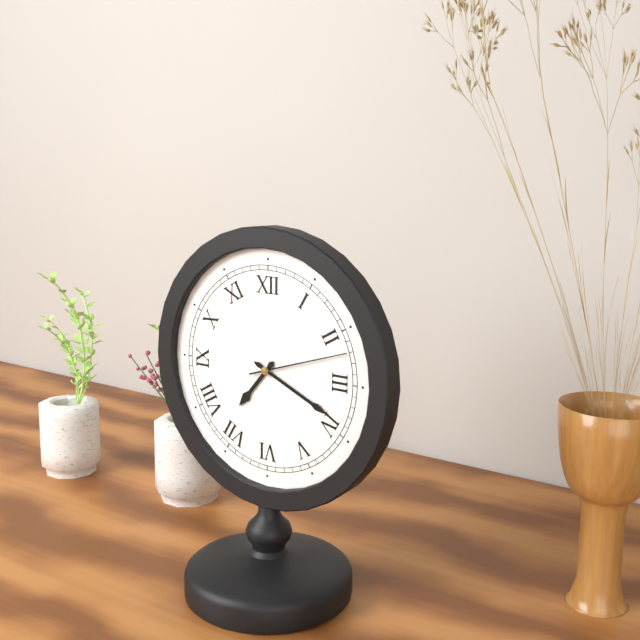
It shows 7.19.12
